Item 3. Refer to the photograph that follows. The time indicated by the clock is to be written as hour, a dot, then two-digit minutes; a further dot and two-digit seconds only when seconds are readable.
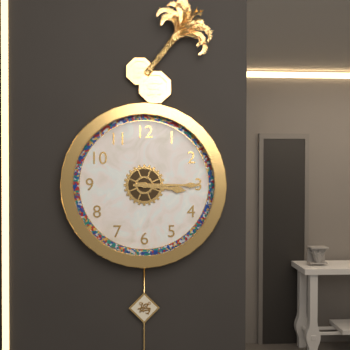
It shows 3.15
